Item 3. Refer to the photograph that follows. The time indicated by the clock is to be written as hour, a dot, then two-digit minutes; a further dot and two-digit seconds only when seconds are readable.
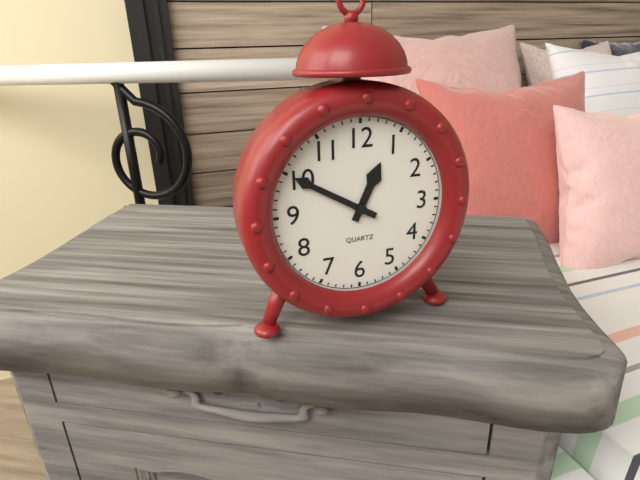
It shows 12.50
